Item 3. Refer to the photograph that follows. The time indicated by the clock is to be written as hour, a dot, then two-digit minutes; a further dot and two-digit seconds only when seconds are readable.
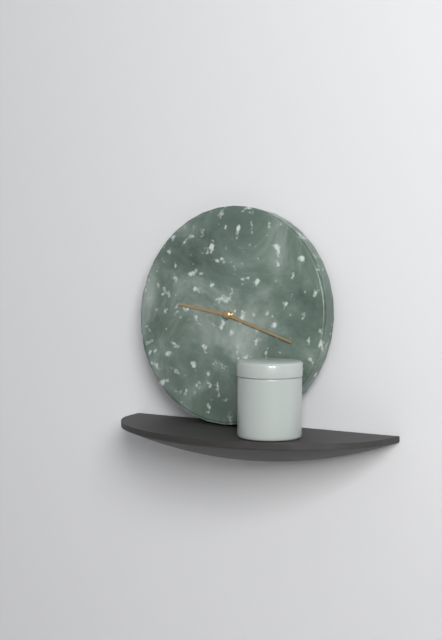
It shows 9.18
